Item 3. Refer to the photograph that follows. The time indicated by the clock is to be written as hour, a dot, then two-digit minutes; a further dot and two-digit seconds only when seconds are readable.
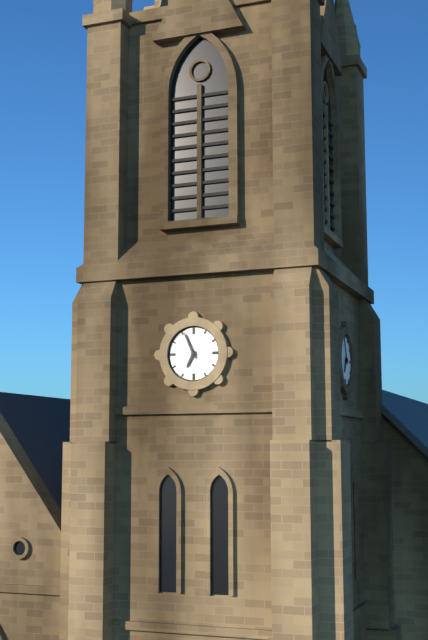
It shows 6.56
